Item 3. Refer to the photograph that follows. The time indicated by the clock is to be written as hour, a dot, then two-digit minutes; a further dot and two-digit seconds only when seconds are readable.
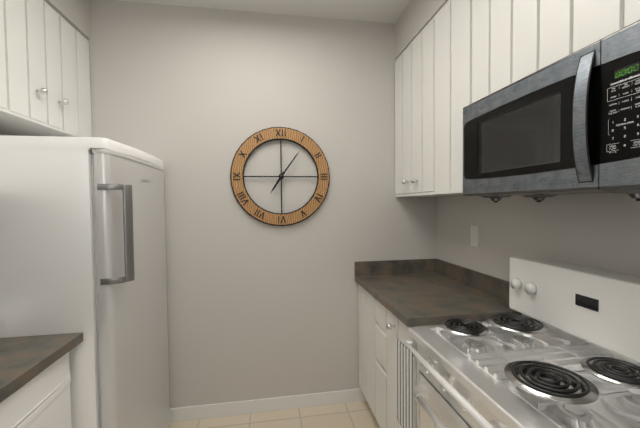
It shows 7.06
